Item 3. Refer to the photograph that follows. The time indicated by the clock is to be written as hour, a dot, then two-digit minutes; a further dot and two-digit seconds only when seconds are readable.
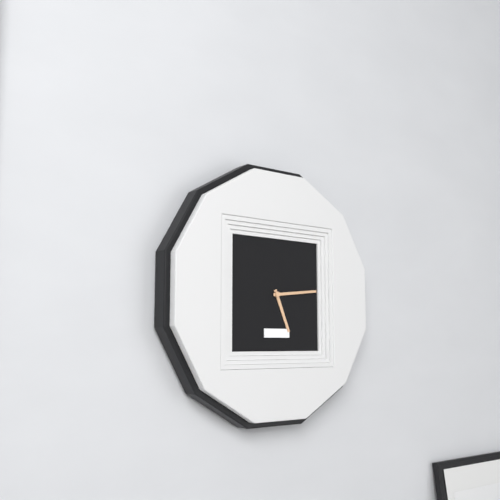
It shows 5.14
